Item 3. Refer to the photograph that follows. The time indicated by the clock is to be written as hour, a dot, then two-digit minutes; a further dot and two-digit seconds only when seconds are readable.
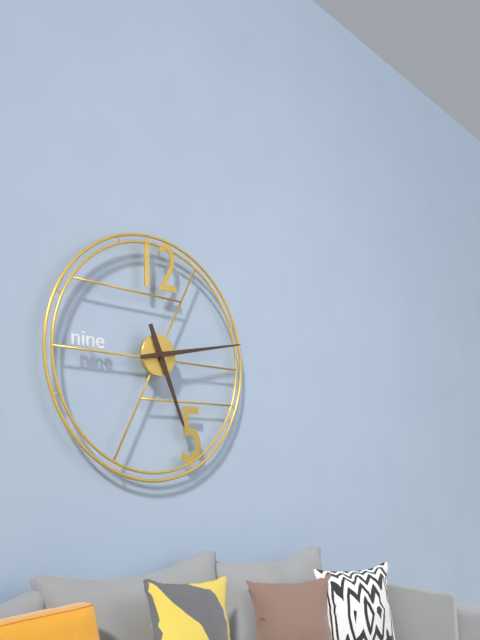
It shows 5.13
